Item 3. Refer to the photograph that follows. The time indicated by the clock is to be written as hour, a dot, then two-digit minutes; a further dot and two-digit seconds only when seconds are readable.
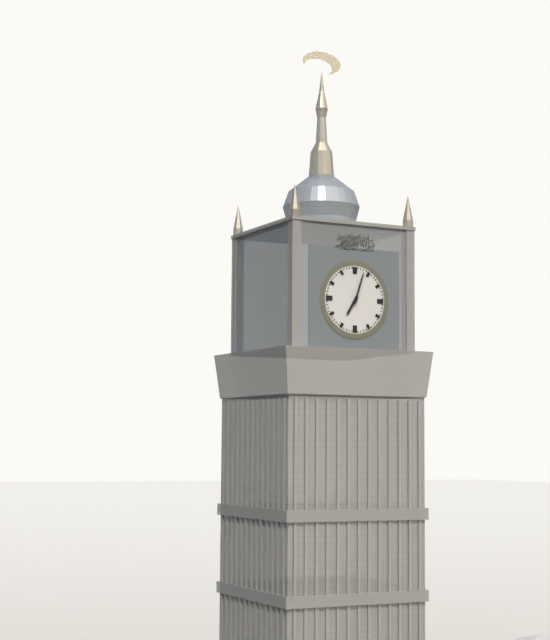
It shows 7.03
